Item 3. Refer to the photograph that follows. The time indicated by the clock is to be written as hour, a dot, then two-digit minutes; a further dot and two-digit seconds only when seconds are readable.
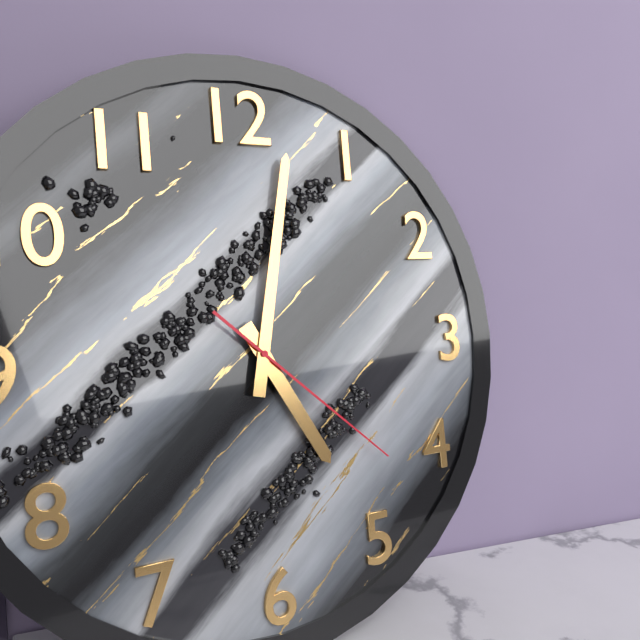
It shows 5.02.22
